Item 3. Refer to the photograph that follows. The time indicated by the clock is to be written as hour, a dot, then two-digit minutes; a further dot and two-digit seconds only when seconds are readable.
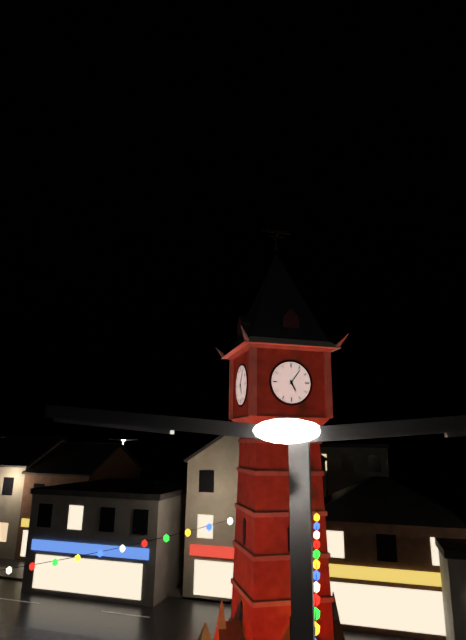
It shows 5.06
